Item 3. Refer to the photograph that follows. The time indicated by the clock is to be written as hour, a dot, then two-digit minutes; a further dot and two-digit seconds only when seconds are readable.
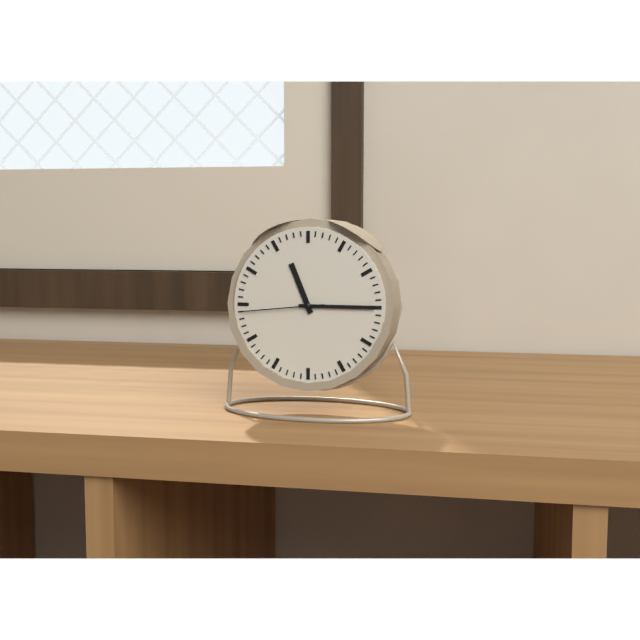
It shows 11.15.44
